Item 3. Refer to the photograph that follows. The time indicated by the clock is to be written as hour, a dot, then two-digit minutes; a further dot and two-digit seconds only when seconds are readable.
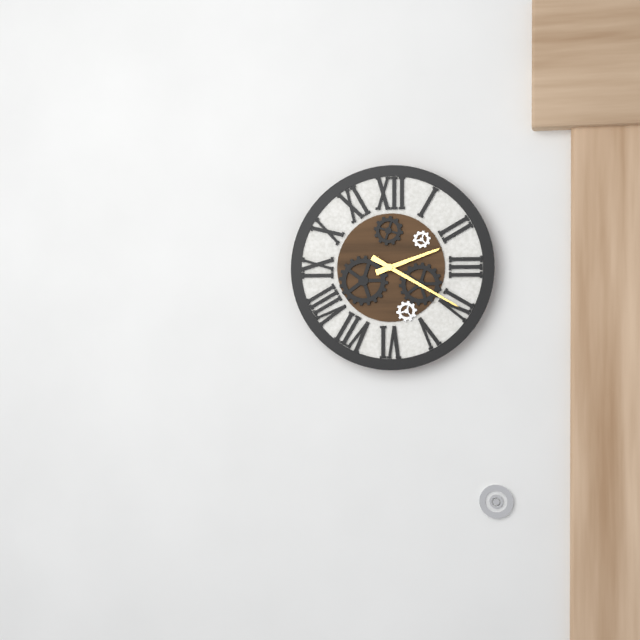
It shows 2.20
